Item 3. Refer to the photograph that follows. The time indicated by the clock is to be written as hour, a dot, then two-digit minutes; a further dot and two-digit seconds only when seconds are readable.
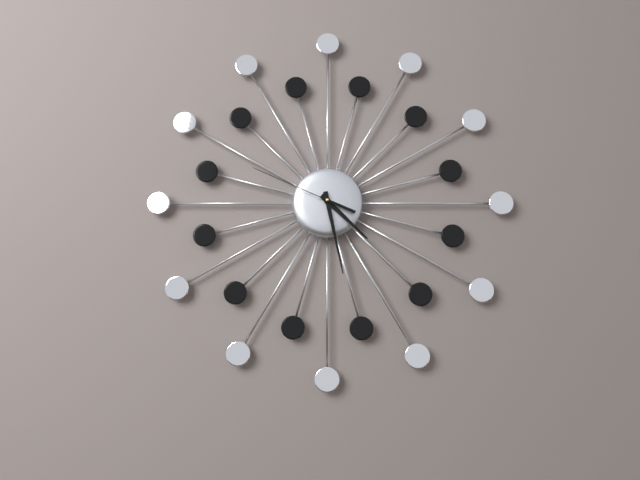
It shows 4.28.49
